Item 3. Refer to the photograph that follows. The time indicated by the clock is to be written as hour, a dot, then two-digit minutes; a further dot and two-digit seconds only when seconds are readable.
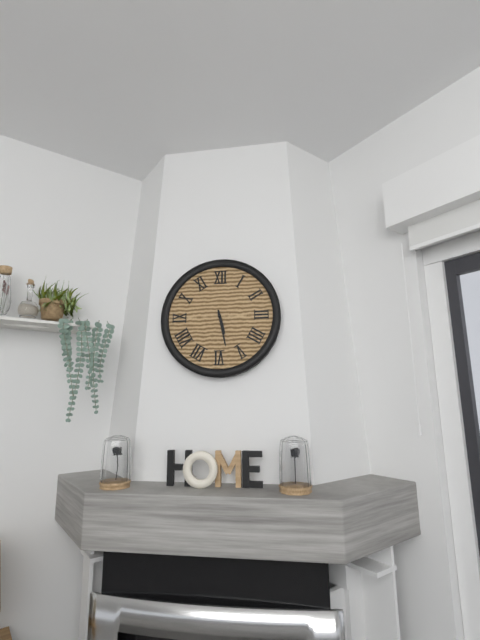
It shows 5.28
